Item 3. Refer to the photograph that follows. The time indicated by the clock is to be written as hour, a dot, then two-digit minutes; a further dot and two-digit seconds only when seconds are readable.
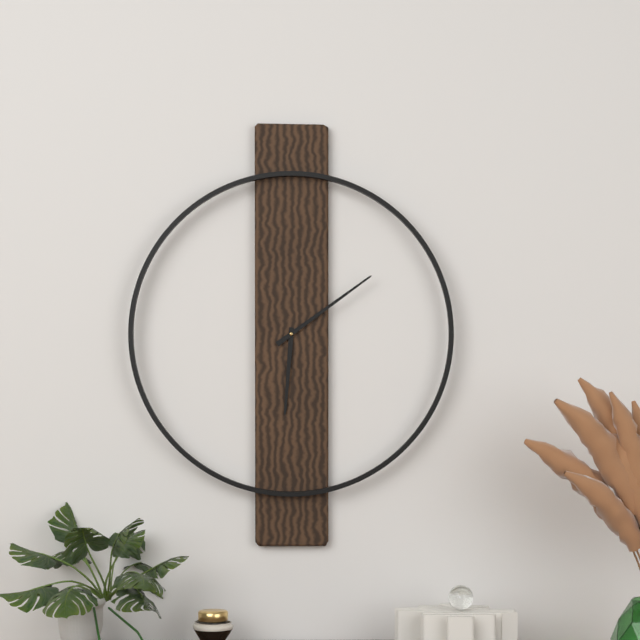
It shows 6.09
